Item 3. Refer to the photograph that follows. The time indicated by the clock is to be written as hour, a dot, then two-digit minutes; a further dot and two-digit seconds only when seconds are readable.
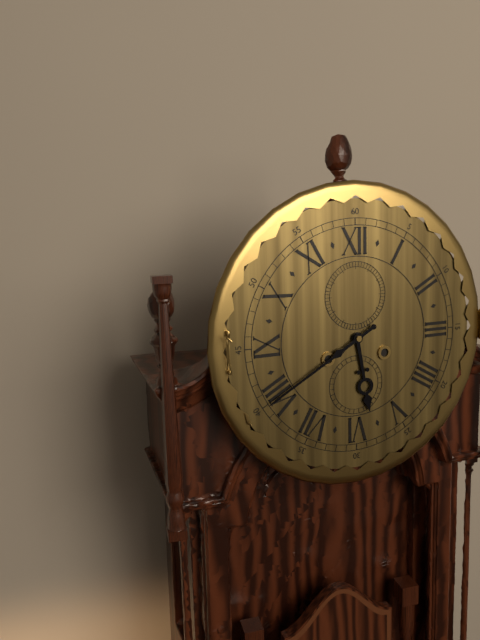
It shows 5.40
